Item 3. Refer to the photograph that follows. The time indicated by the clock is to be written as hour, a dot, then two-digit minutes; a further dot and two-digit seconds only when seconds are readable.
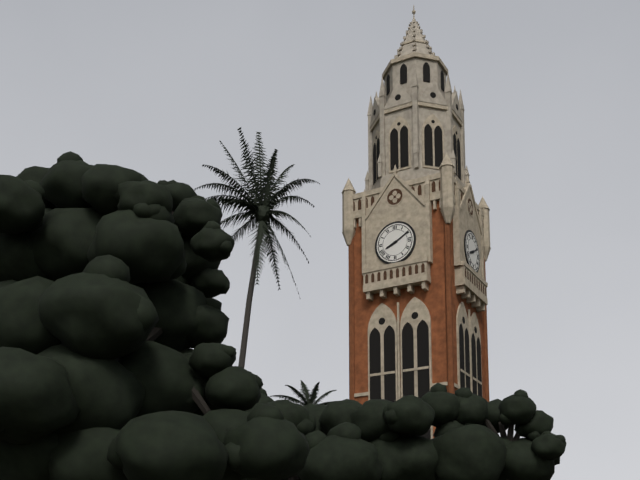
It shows 8.10
